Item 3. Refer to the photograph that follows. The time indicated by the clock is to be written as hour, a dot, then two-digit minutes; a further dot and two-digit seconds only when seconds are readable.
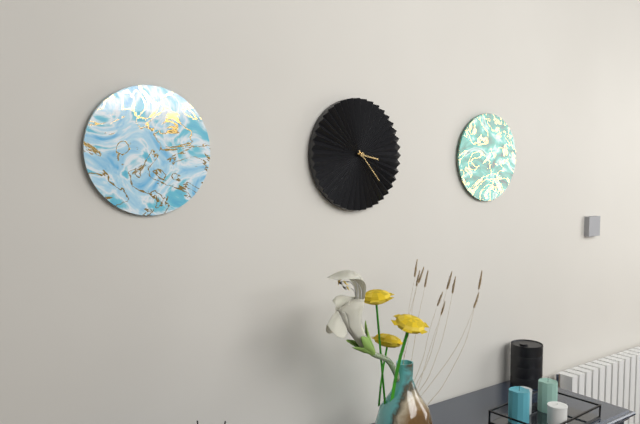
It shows 3.23
